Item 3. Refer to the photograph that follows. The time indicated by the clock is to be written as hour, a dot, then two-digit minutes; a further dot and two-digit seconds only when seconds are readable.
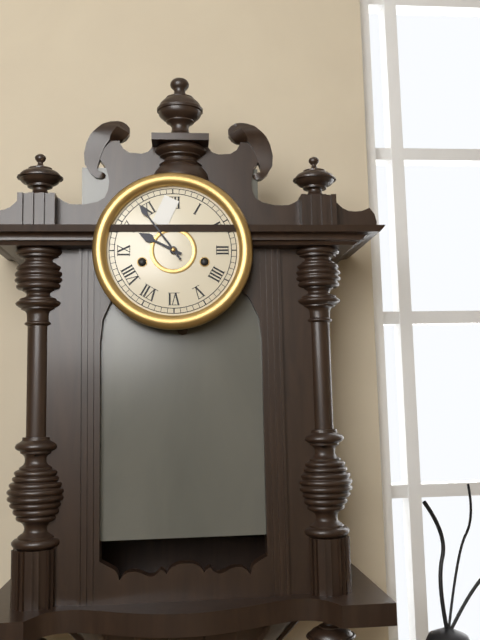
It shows 9.54
